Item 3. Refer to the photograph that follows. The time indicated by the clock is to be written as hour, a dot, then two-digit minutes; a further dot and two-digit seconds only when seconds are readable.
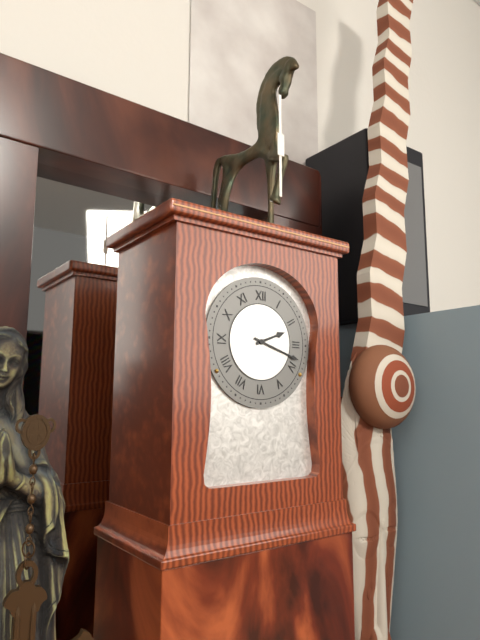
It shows 2.18
